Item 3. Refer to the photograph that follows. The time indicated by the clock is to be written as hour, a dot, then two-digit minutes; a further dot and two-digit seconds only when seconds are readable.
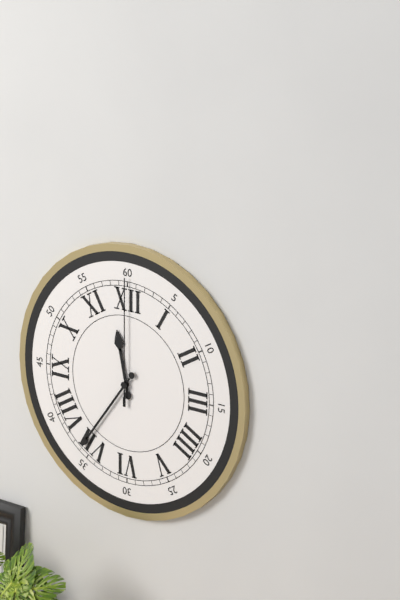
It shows 11.36.00
